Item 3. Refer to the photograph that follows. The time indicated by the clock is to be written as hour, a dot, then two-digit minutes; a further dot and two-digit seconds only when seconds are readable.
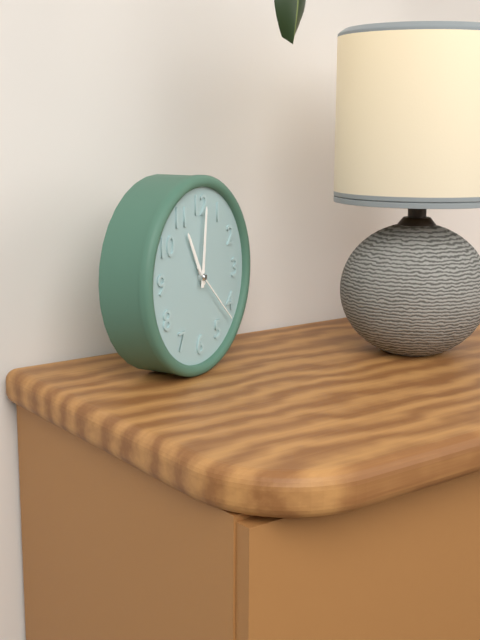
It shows 11.01.22
